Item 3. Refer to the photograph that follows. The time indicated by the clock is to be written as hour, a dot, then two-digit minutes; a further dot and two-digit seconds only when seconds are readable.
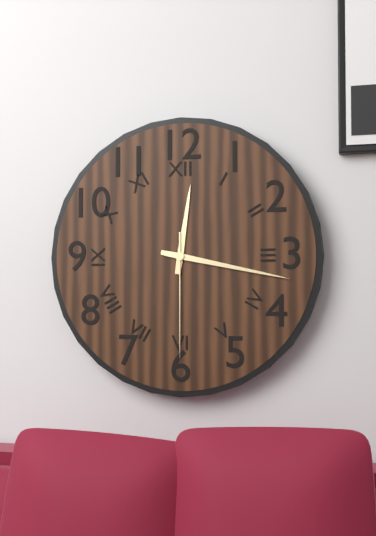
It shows 12.17.30
